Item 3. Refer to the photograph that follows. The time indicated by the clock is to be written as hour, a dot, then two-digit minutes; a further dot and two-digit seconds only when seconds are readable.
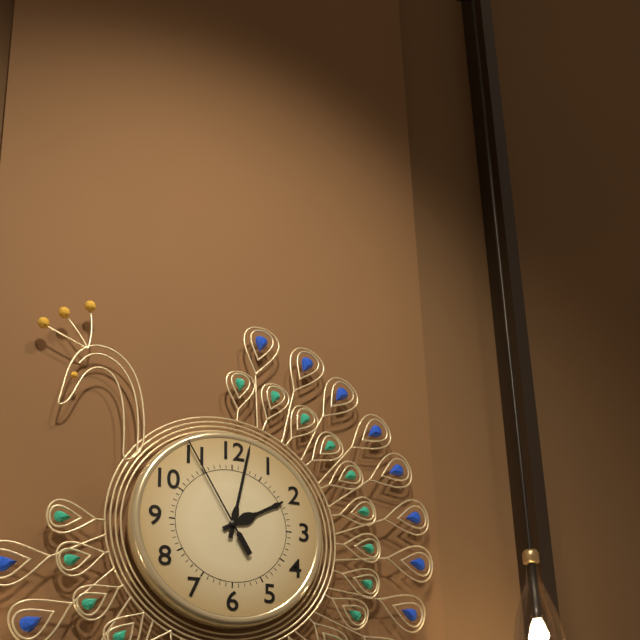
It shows 2.02.55
